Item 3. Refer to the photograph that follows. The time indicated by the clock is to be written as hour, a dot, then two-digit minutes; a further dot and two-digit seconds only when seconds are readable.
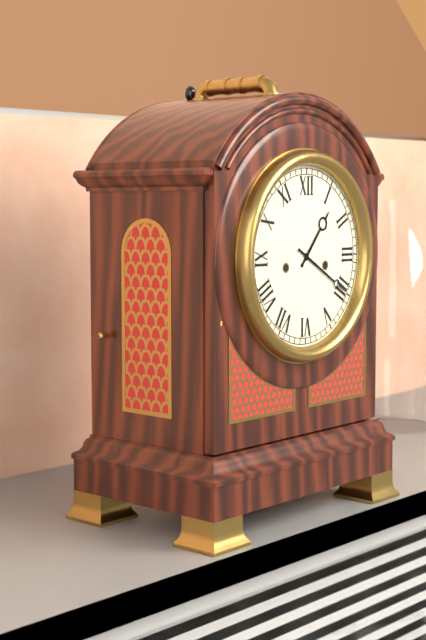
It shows 1.20
